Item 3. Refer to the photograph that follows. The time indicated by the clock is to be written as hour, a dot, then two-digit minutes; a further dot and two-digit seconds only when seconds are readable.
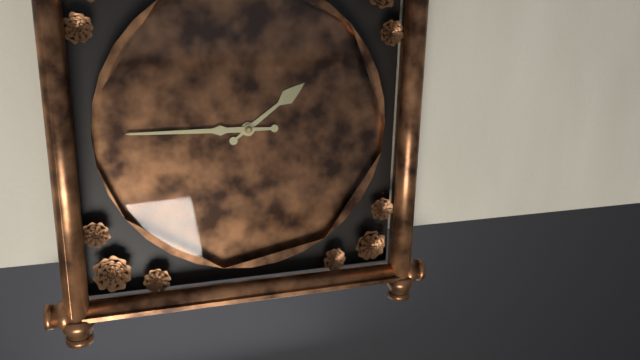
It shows 1.45
